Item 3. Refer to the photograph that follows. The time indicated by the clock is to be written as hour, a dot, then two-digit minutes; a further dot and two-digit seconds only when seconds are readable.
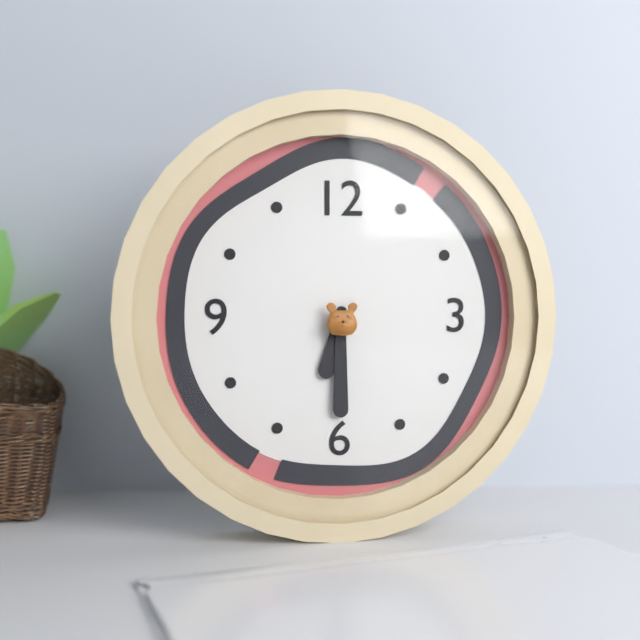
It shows 6.30
